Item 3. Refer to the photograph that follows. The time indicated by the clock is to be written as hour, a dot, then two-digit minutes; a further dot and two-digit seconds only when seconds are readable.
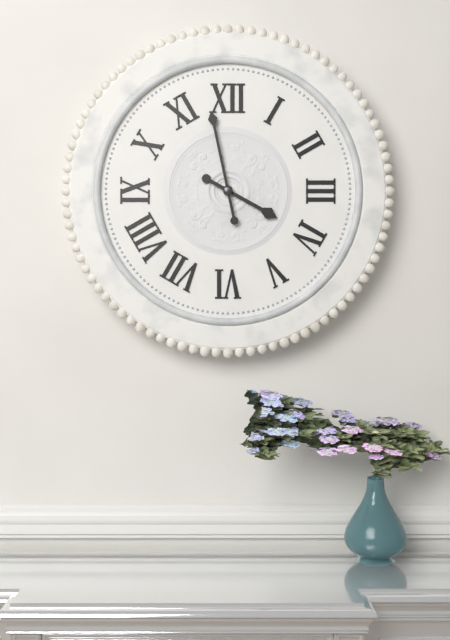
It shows 3.58
